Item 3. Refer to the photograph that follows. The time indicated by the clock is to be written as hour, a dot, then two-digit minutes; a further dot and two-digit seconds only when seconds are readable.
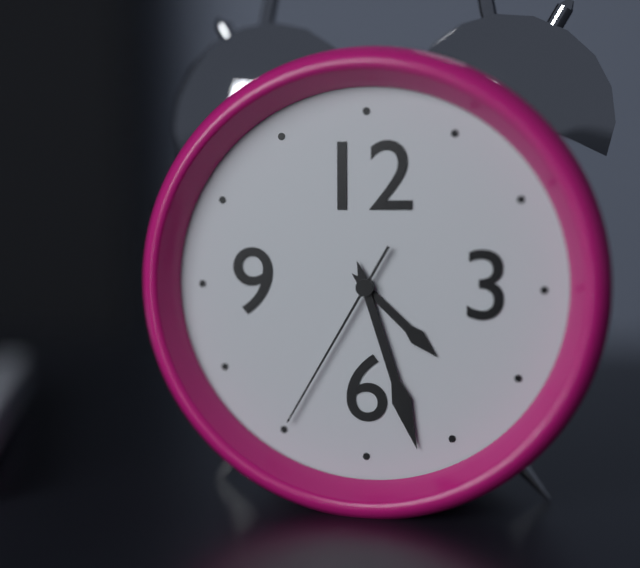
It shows 4.27.35
